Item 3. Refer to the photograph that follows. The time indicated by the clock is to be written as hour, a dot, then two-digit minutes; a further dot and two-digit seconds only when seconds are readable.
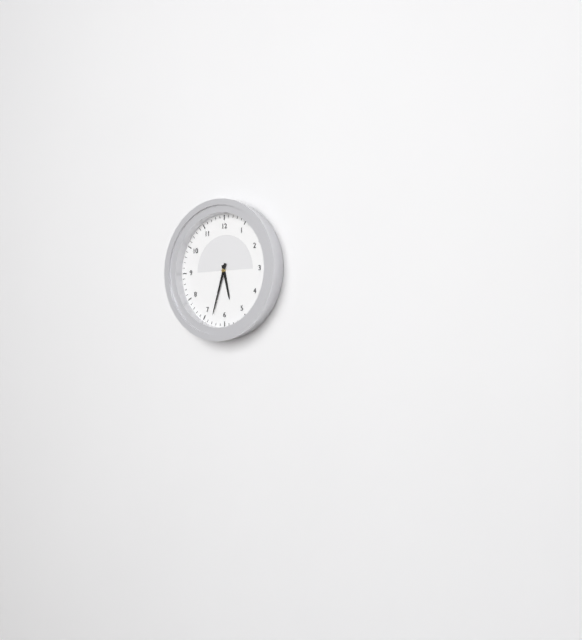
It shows 5.33
